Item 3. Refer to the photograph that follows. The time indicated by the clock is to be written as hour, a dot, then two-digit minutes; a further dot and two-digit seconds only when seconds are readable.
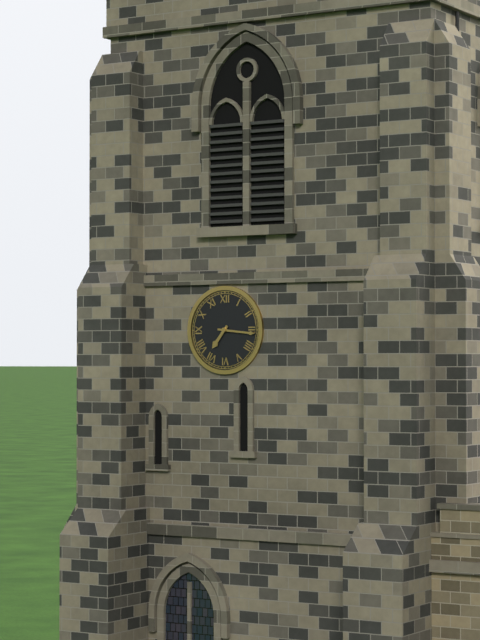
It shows 7.16
